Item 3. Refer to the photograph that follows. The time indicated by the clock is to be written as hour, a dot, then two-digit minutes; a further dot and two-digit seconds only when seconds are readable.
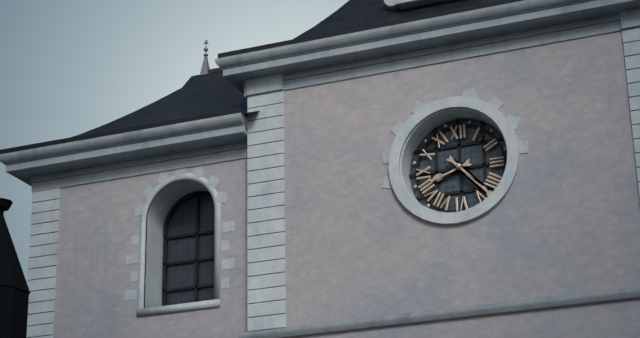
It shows 8.23
